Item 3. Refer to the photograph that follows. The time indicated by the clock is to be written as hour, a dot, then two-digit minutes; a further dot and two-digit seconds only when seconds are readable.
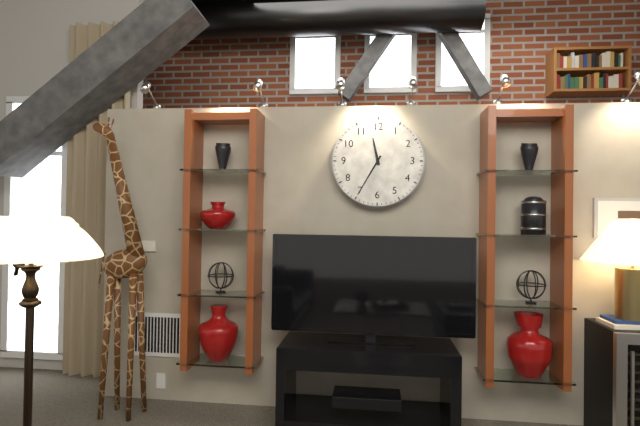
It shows 11.35
